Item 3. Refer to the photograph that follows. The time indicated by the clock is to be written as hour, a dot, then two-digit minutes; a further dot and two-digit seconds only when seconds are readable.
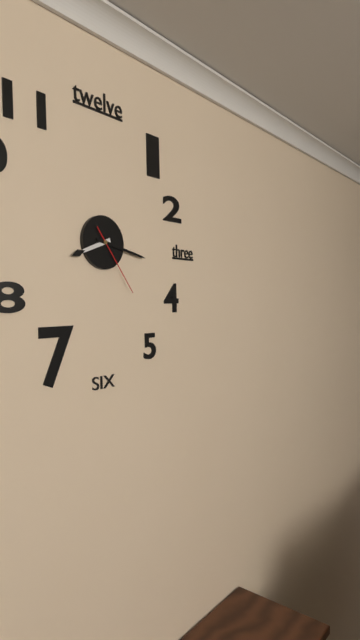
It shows 8.17.24
